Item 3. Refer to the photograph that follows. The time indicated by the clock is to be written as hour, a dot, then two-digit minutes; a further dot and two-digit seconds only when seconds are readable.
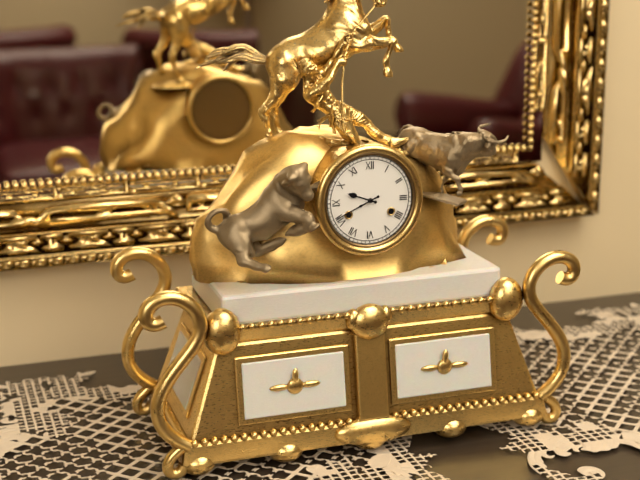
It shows 9.41
